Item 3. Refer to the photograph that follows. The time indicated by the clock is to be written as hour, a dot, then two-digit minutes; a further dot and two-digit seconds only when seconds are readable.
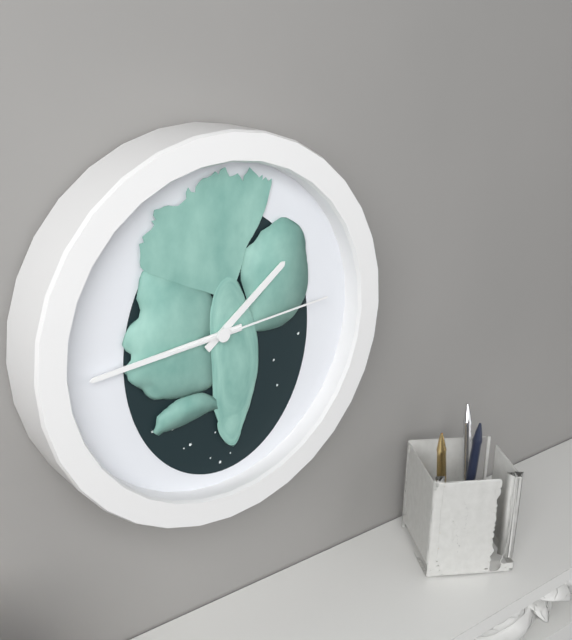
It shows 1.44.14
